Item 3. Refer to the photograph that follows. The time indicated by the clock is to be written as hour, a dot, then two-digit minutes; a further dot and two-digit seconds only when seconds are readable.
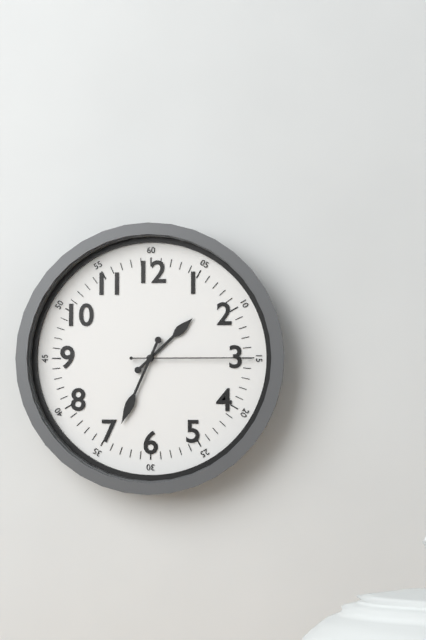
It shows 1.34.15
